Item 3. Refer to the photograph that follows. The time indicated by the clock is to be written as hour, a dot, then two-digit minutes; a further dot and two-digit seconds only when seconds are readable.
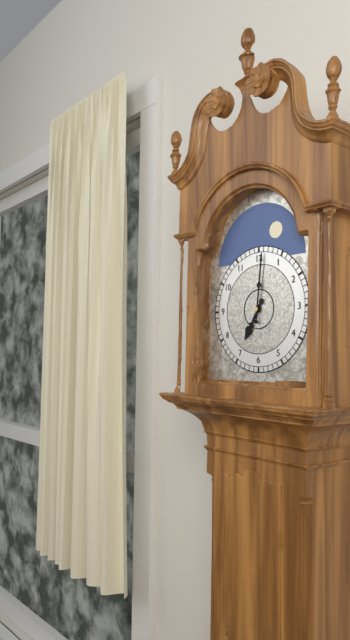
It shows 7.01
